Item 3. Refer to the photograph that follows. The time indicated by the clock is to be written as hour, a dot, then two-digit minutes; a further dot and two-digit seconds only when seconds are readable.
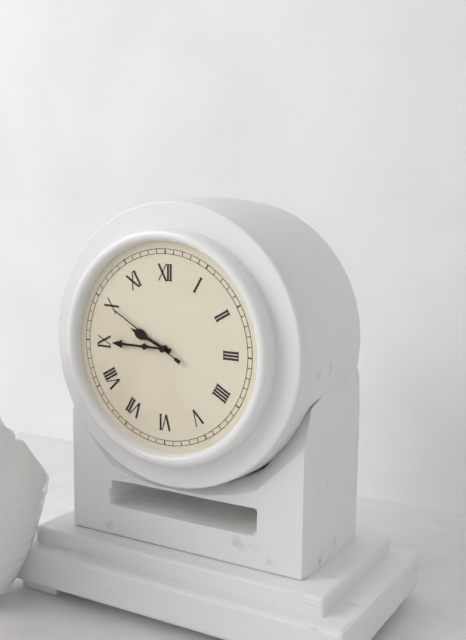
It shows 9.45.50
